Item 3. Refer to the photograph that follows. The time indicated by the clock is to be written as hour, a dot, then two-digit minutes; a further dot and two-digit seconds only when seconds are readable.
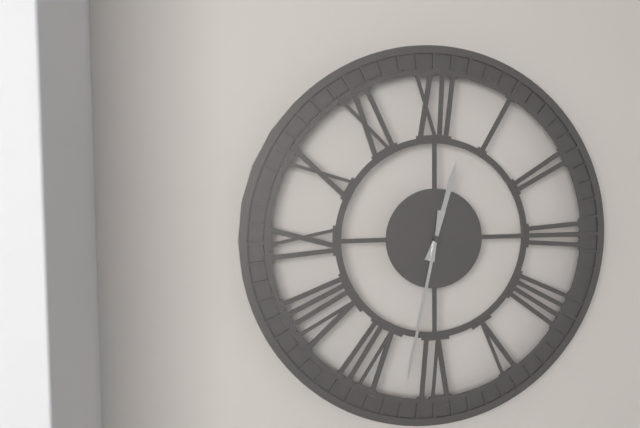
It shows 12.32
